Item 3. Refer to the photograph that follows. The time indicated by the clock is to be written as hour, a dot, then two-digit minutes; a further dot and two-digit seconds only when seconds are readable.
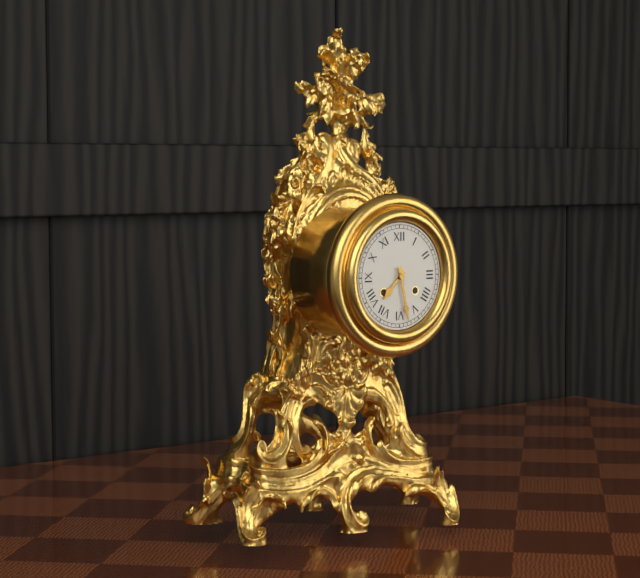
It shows 7.28
